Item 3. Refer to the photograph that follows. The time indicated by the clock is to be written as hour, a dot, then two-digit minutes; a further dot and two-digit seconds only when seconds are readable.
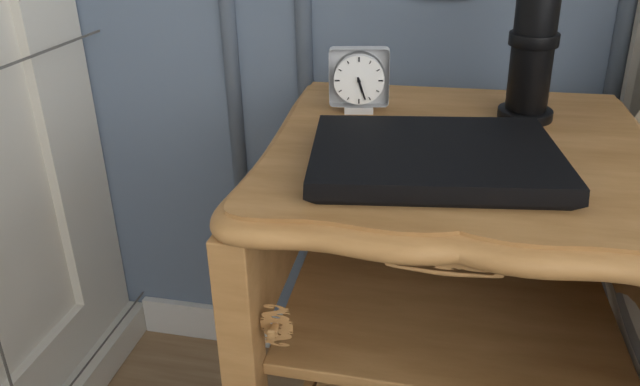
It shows 5.27
